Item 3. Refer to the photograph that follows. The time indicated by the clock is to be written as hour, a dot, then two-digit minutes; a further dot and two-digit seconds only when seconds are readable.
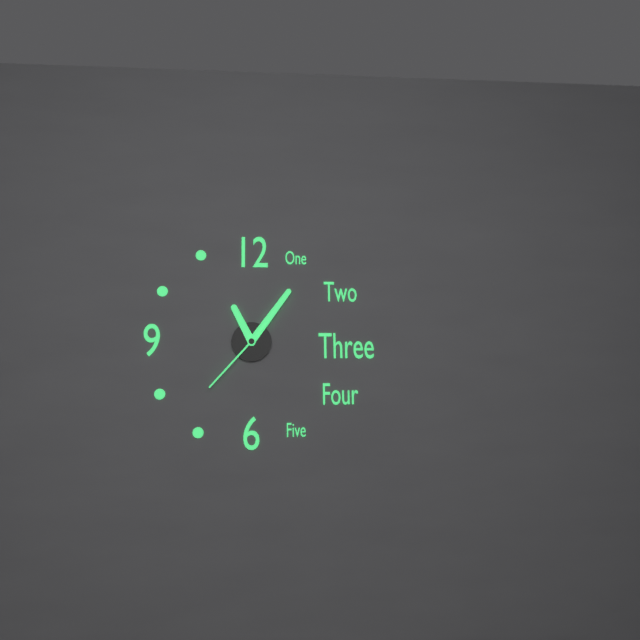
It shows 11.06.37
